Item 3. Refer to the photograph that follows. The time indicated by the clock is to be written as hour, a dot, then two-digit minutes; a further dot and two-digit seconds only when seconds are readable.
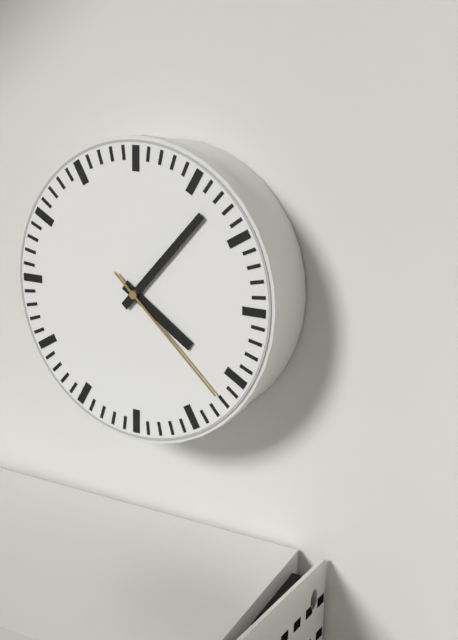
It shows 4.07.22
